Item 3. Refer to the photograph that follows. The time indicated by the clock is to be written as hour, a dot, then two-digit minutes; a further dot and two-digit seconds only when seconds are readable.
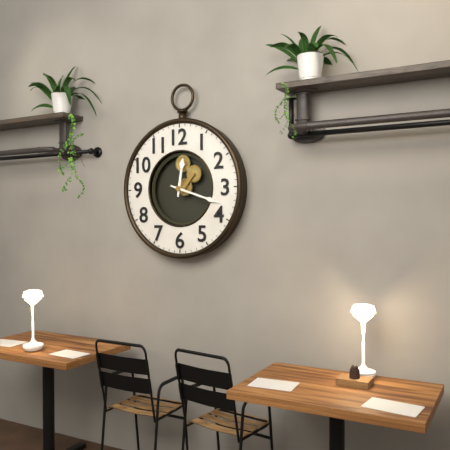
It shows 12.18
